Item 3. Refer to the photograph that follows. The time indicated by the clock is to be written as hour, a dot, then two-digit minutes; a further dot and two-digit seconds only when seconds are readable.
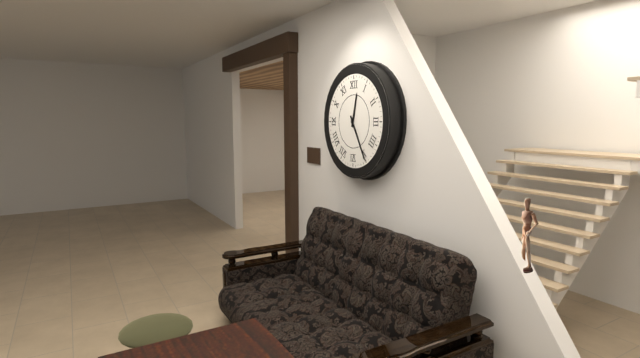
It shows 12.25
